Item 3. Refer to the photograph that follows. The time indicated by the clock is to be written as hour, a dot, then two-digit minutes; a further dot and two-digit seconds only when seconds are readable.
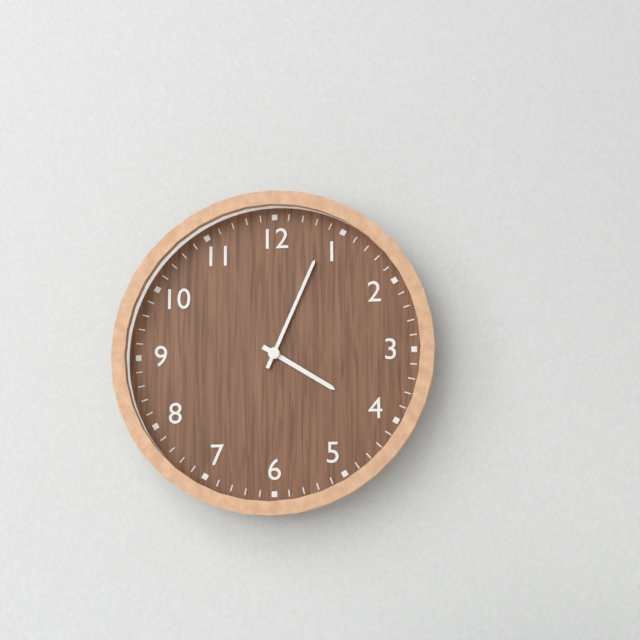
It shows 4.04
